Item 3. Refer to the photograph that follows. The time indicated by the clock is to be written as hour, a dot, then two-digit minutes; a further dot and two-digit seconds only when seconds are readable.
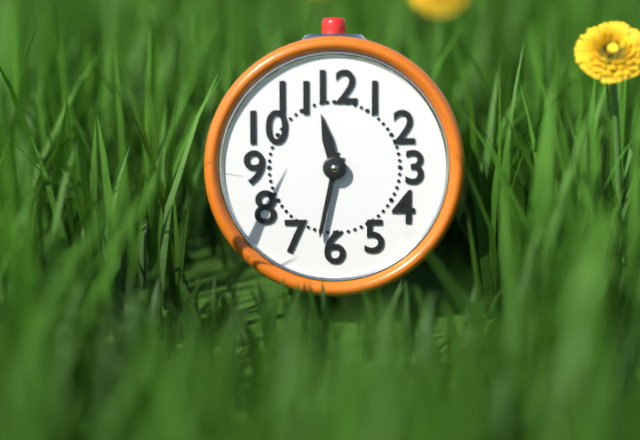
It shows 11.32
